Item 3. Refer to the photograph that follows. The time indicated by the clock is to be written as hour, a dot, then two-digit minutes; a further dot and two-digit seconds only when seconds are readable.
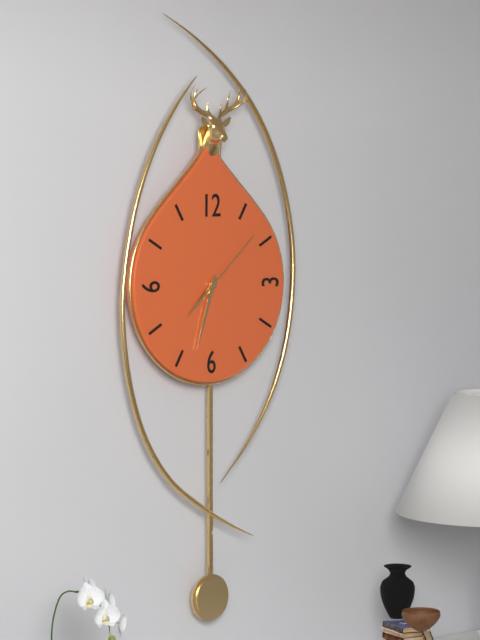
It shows 7.33.08
